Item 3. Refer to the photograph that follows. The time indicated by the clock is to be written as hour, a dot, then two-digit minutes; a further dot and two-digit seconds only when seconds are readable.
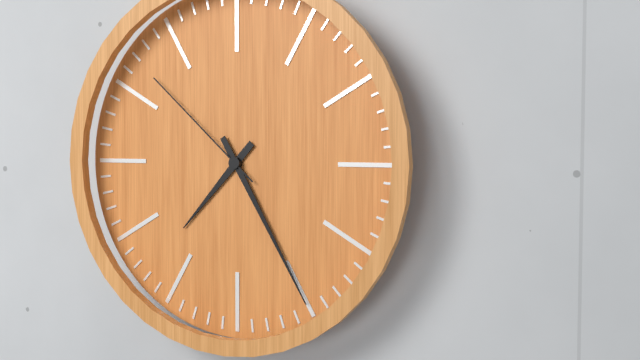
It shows 7.25.52
